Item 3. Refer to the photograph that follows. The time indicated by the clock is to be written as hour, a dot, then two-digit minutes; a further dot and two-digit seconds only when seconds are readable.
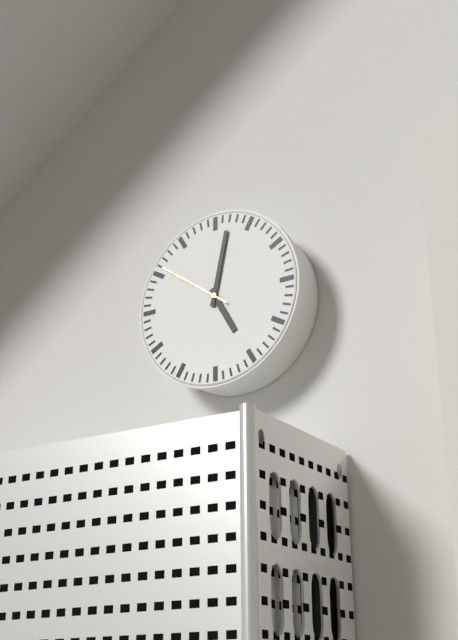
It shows 5.02.51
